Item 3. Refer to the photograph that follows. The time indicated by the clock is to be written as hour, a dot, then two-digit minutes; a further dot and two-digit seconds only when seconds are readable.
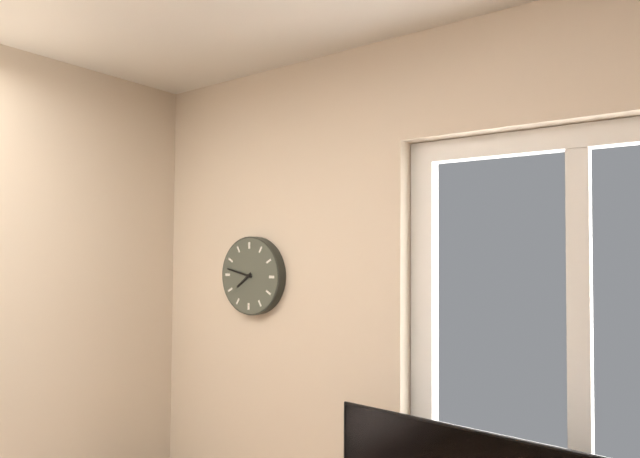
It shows 7.47
